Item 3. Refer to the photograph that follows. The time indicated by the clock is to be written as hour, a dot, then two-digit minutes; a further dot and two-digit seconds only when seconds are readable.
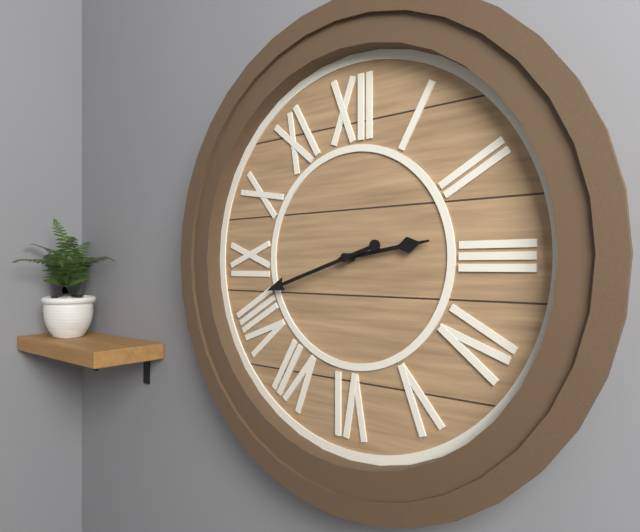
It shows 2.42
